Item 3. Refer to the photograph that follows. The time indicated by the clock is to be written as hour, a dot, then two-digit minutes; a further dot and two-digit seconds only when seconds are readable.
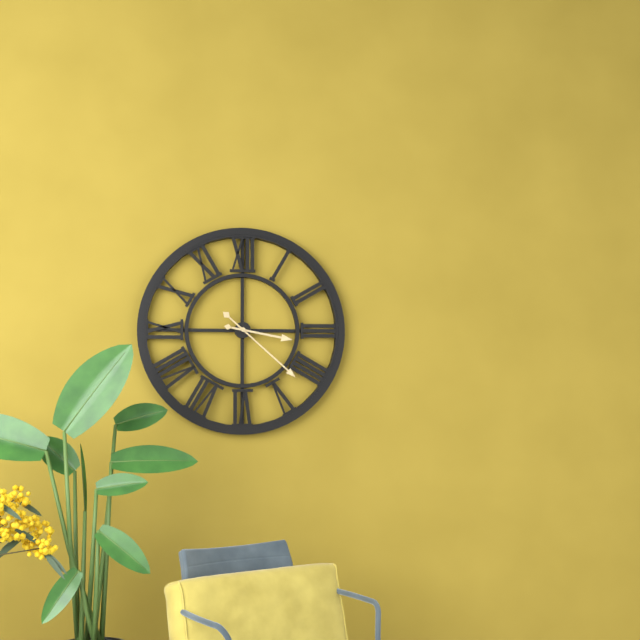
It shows 3.22
